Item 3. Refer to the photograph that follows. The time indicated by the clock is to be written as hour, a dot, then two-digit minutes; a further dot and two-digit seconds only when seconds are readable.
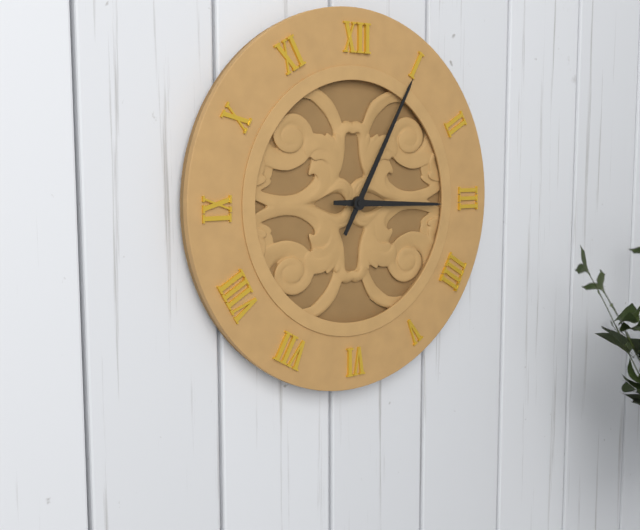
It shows 3.05
